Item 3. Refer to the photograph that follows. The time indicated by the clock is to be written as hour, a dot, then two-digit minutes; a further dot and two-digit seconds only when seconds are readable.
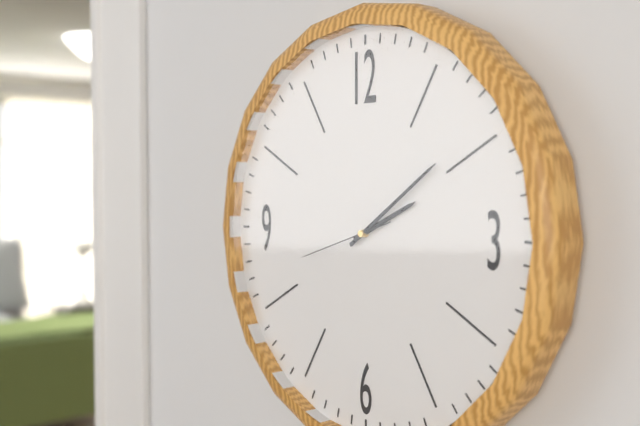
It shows 2.09.42
